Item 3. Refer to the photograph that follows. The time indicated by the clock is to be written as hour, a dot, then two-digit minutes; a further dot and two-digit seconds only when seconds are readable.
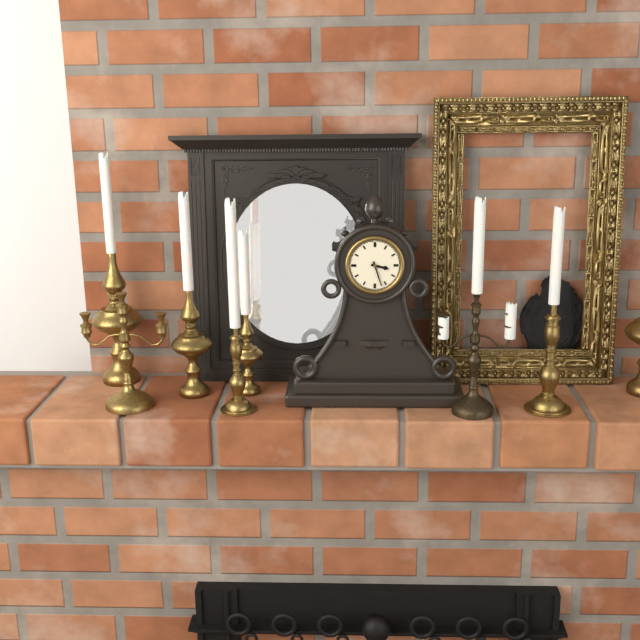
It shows 3.27
